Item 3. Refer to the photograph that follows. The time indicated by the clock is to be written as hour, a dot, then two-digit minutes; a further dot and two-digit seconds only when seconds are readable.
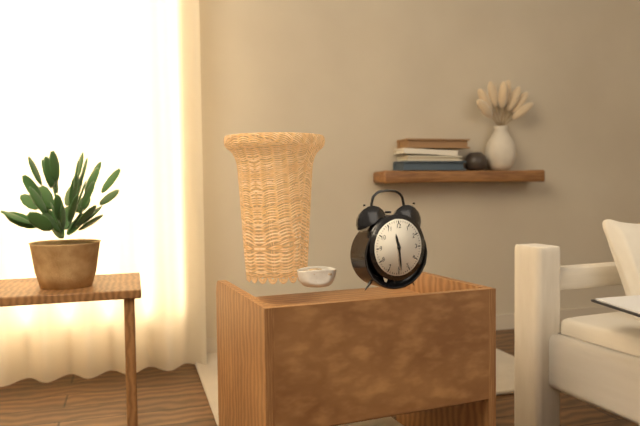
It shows 11.29
